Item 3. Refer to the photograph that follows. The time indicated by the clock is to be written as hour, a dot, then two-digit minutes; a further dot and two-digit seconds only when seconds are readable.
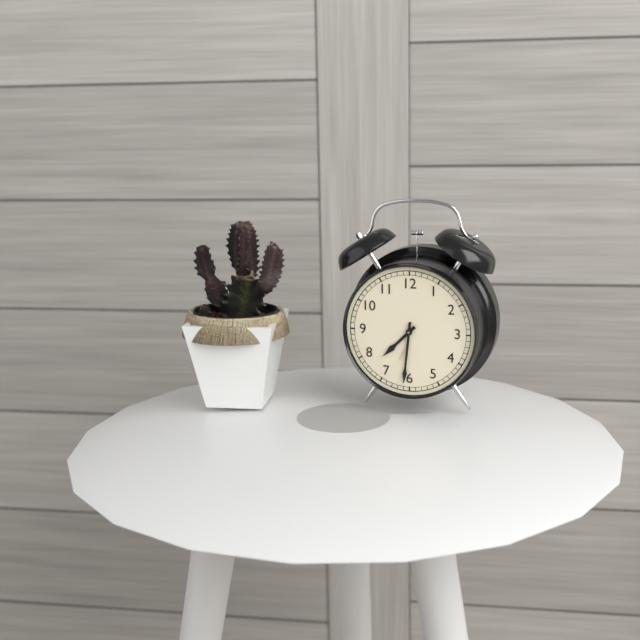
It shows 7.31
